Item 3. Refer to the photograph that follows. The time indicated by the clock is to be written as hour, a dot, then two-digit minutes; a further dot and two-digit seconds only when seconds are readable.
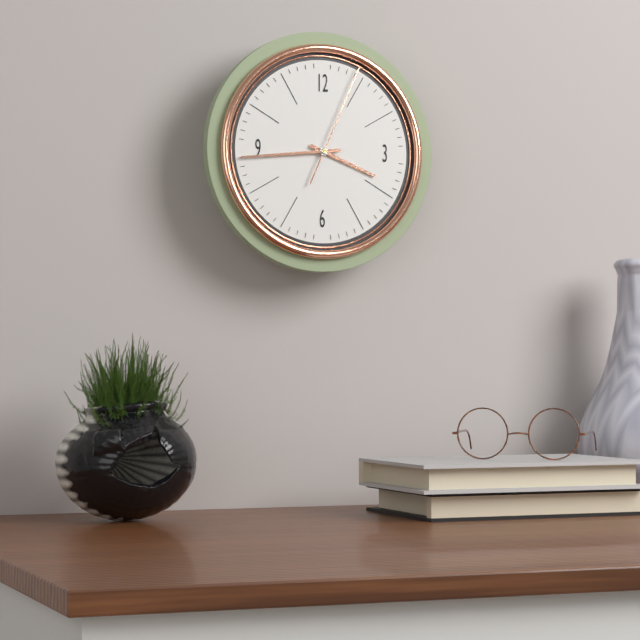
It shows 3.44.04
